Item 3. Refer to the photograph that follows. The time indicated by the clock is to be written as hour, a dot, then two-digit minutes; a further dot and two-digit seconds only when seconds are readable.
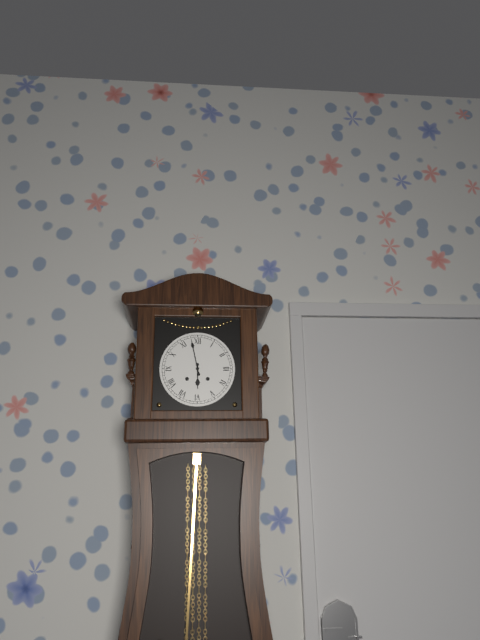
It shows 5.58
